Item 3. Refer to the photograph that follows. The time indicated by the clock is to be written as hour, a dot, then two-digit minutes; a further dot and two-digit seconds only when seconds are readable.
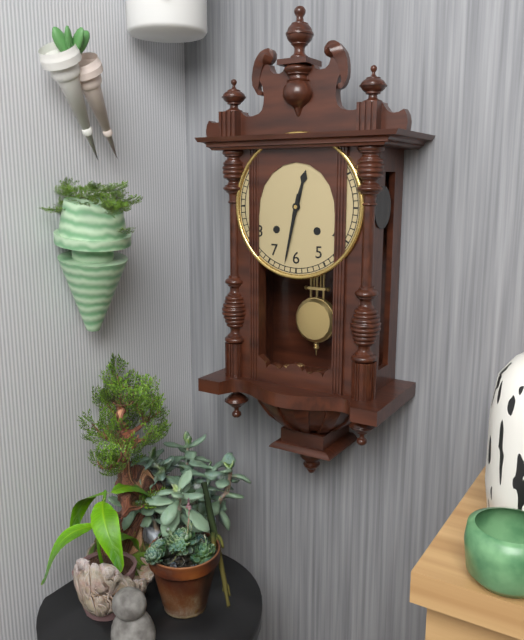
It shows 12.32
